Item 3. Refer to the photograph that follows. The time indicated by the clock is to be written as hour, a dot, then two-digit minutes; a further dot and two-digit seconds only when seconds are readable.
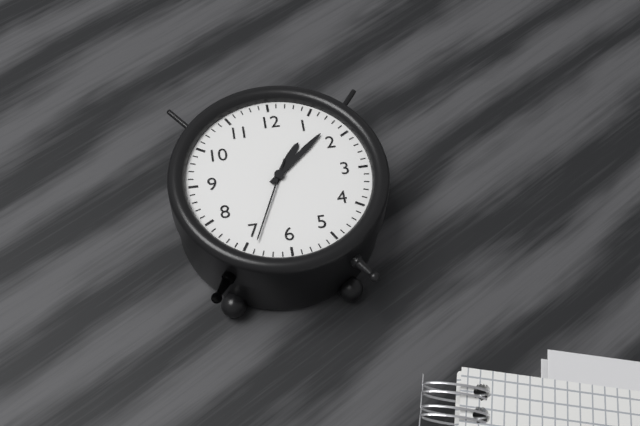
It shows 1.08.34
